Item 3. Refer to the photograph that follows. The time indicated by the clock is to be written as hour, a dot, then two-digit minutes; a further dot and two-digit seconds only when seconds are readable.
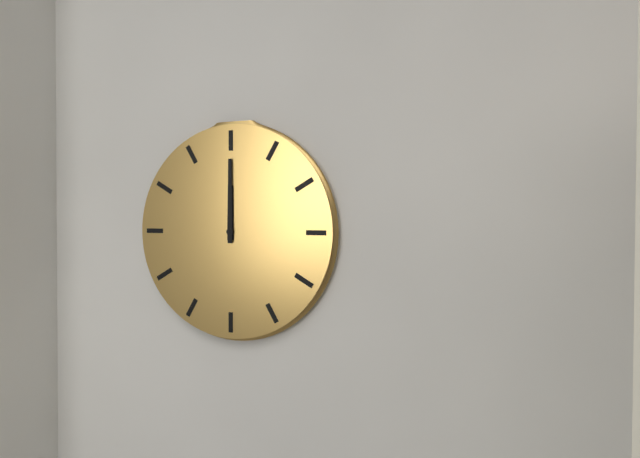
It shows 12.00
